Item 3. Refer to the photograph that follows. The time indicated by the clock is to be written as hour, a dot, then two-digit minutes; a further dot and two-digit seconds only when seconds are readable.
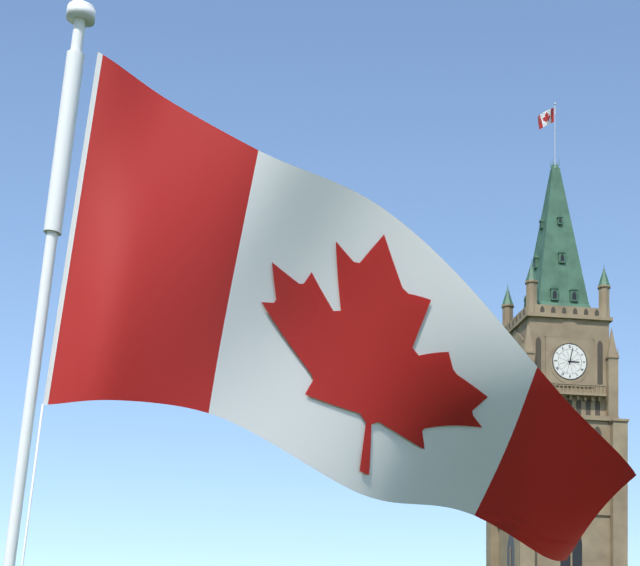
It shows 3.02
